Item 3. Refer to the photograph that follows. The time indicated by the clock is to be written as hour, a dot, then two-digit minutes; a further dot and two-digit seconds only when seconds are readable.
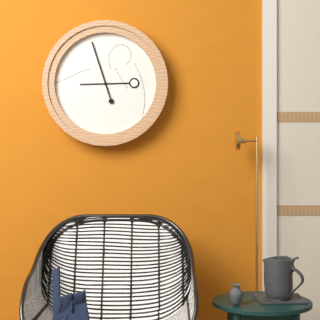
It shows 8.57
